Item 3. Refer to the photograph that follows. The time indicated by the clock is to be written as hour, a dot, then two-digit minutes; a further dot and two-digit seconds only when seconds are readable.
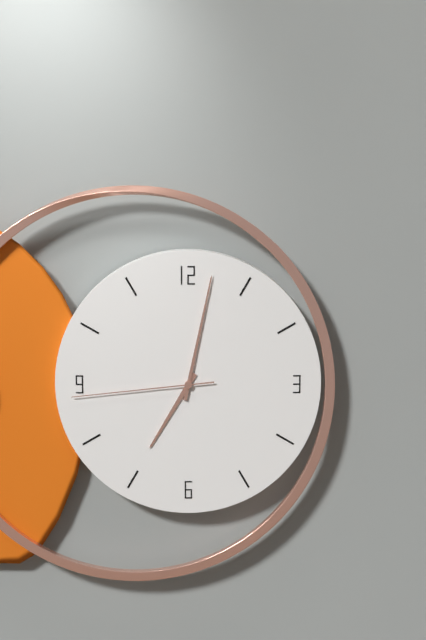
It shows 7.02.44
